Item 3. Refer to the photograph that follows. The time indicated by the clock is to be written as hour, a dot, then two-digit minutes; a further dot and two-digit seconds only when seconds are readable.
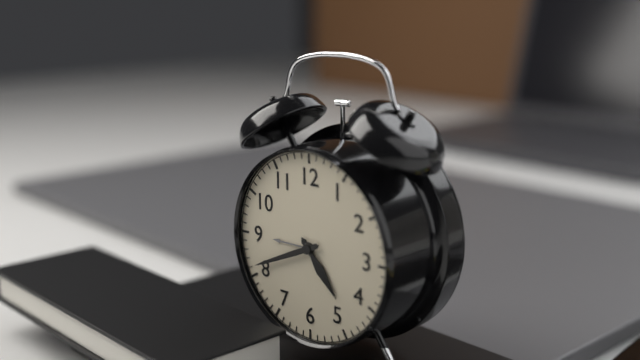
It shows 4.41
